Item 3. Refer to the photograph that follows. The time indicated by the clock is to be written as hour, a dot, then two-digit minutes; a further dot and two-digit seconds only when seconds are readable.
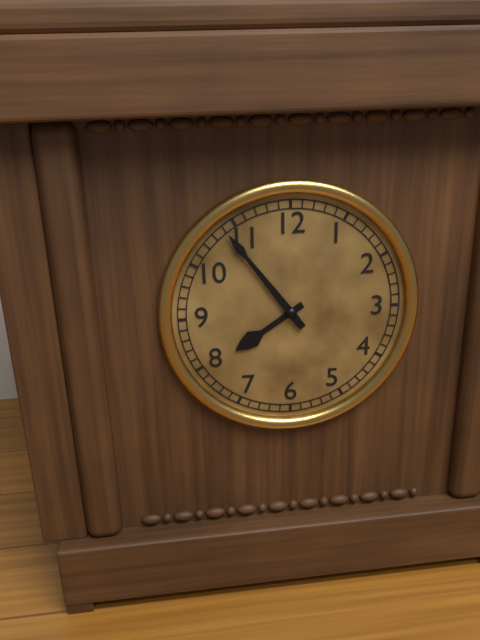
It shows 7.54
